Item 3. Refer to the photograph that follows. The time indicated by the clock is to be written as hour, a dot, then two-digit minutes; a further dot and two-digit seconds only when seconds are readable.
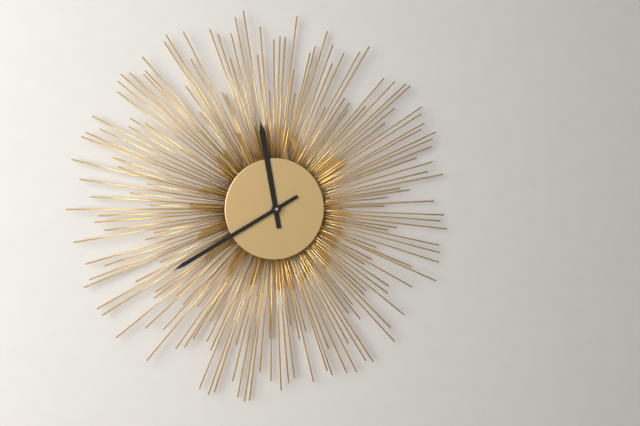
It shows 11.40
